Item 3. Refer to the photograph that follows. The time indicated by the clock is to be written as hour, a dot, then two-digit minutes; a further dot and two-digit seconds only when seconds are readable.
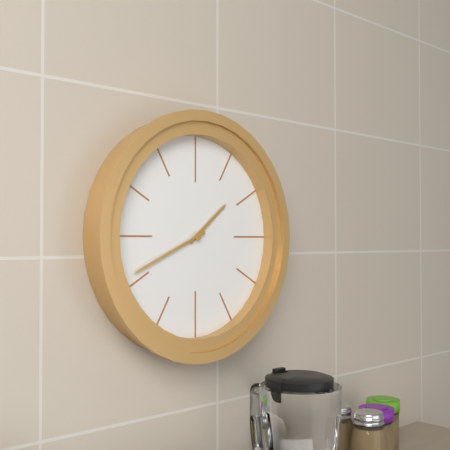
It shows 1.41
